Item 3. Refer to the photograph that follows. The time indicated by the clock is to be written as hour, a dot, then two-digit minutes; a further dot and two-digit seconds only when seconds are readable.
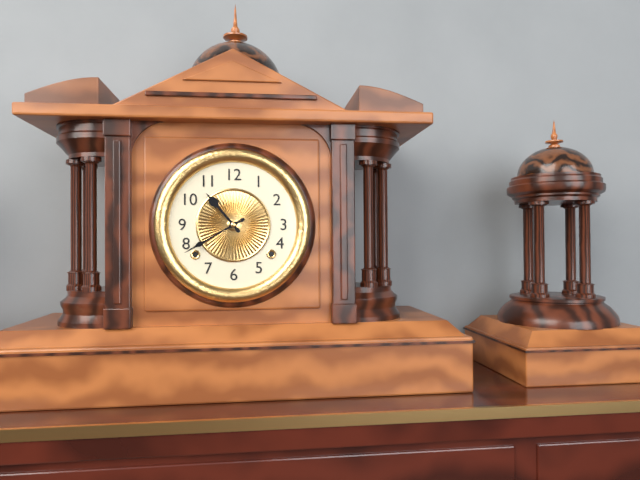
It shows 10.40
